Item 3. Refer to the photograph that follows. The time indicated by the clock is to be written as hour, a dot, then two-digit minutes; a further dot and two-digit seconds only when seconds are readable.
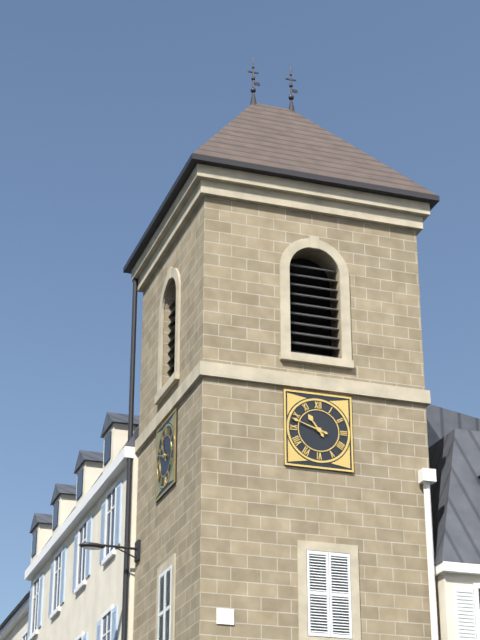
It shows 10.48
